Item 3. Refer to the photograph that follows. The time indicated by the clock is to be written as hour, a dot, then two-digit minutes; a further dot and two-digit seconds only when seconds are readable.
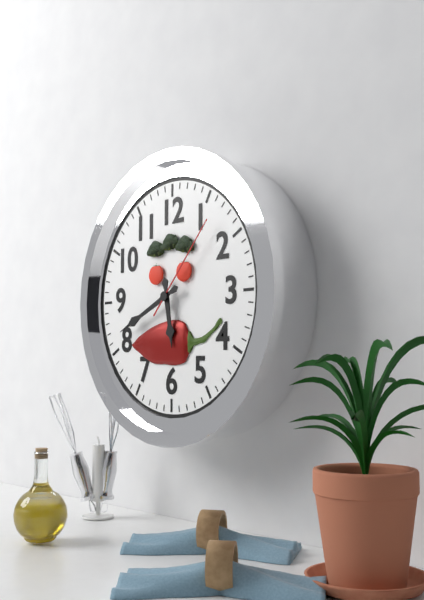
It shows 5.41.07
